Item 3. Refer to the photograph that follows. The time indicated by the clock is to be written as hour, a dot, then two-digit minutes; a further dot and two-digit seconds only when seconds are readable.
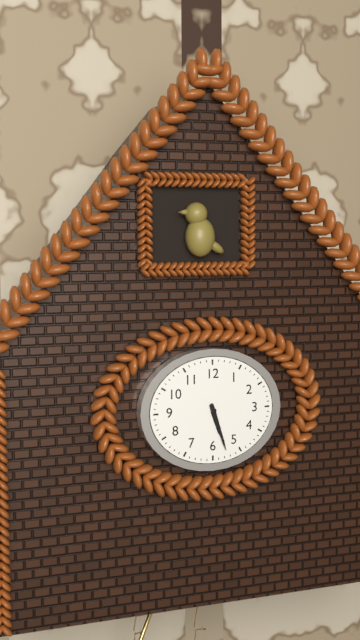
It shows 5.27
